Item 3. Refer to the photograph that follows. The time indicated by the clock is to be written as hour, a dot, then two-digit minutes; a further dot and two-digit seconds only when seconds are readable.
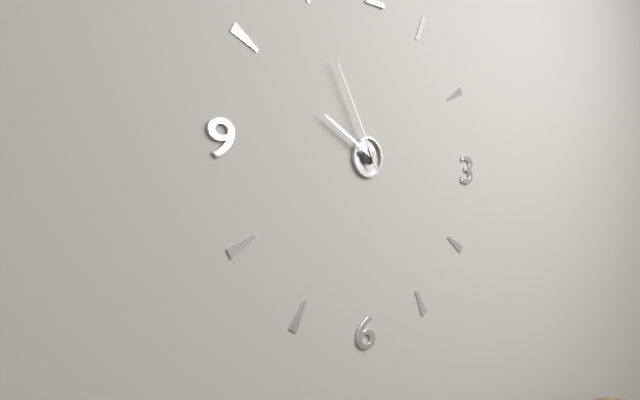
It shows 9.55
